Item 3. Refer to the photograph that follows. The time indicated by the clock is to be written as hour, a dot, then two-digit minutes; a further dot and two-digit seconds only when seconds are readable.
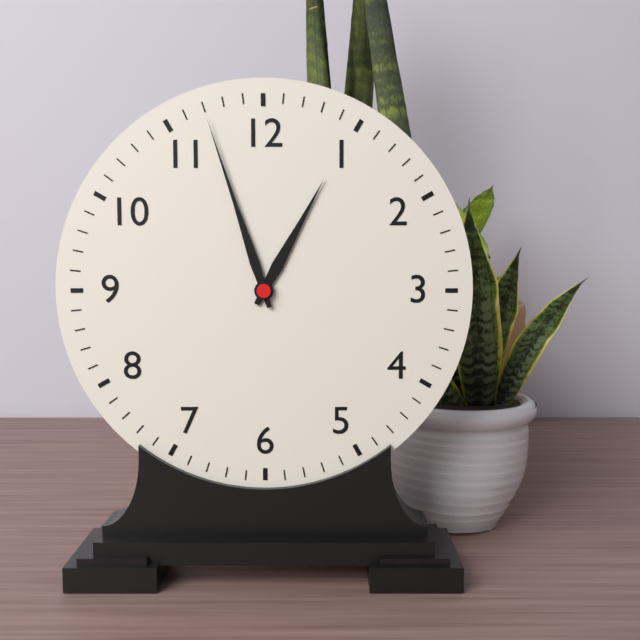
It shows 12.57
